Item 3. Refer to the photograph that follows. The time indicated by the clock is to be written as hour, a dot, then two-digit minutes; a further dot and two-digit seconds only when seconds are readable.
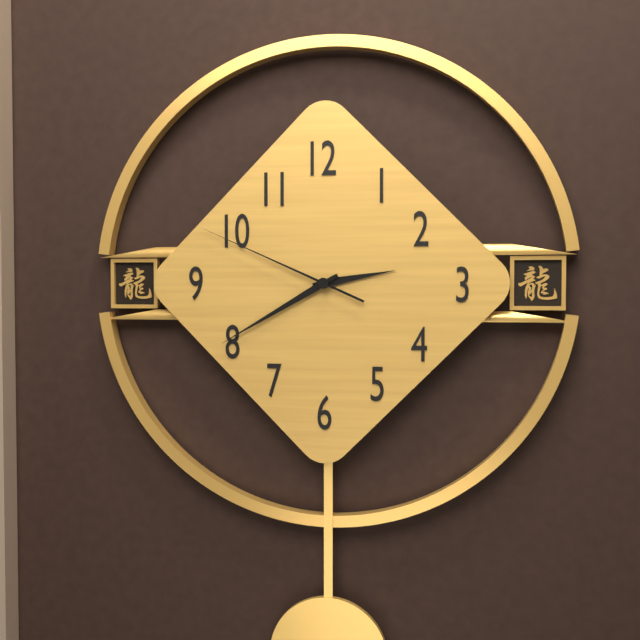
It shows 2.40.49
